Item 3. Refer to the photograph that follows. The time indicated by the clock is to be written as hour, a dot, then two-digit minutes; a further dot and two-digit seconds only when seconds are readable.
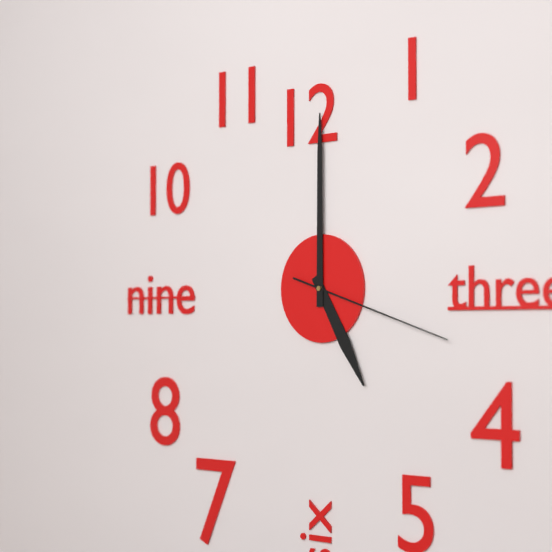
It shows 5.00.18
